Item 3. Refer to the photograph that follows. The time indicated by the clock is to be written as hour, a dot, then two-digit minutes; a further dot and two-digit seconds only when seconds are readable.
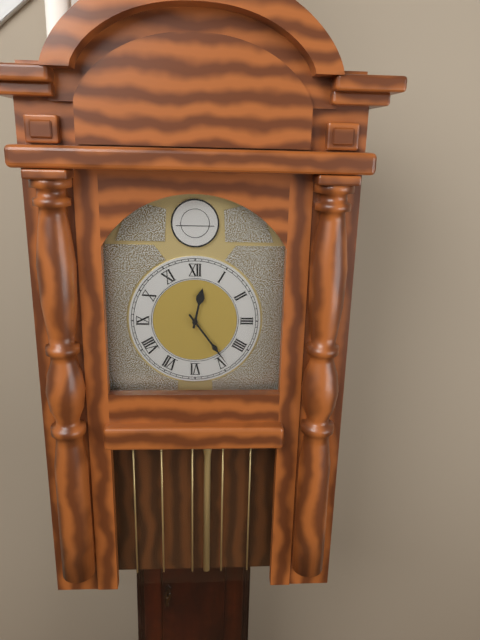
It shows 12.24
